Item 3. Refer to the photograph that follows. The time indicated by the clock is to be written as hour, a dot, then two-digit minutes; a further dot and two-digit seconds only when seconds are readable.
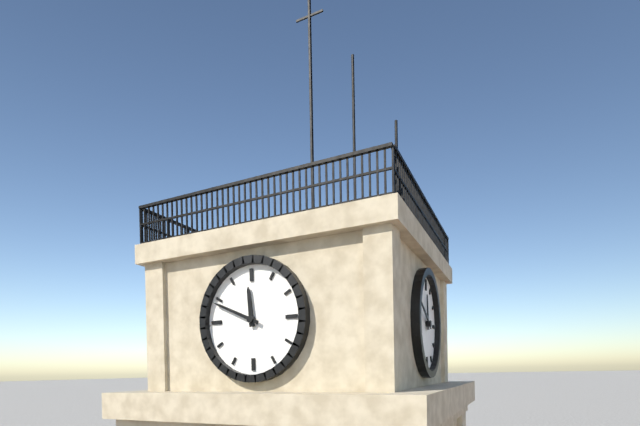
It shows 11.49
